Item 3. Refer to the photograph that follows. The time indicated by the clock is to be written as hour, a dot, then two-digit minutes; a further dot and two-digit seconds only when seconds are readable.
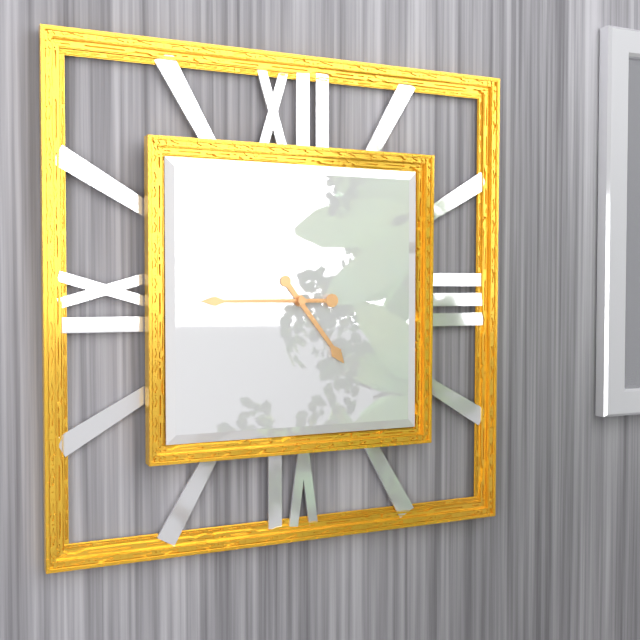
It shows 4.45.45
